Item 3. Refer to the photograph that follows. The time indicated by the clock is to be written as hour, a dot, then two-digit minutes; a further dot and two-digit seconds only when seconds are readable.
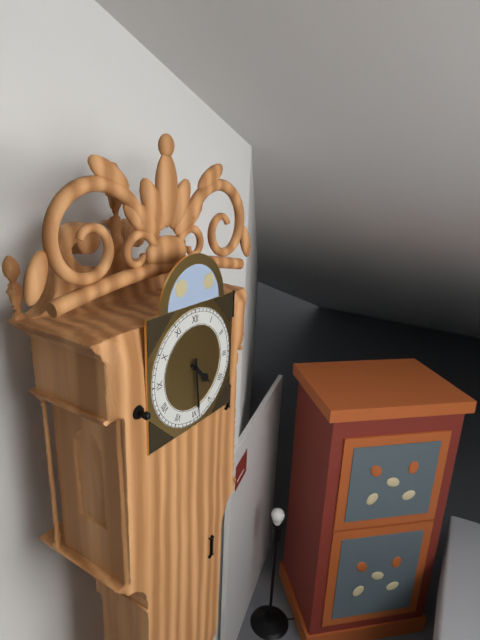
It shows 4.29
